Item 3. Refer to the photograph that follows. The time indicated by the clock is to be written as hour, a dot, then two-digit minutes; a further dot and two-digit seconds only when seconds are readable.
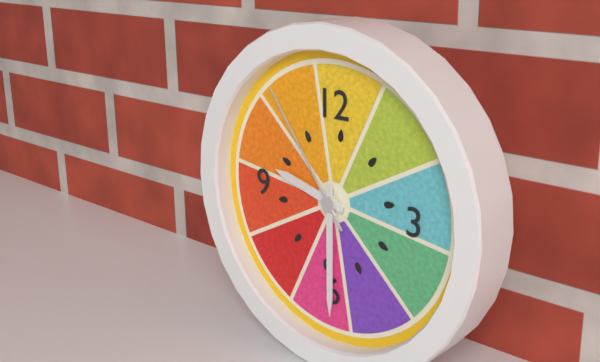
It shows 9.30.54
